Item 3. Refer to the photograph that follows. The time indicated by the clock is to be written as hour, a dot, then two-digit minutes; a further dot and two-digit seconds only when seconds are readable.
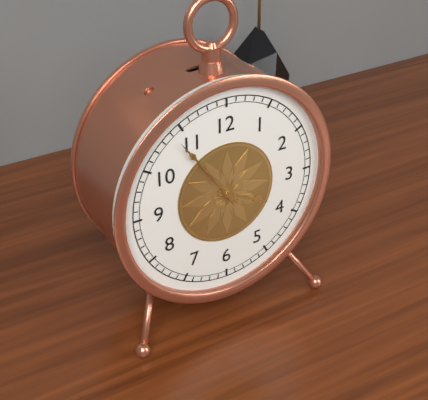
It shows 3.54
